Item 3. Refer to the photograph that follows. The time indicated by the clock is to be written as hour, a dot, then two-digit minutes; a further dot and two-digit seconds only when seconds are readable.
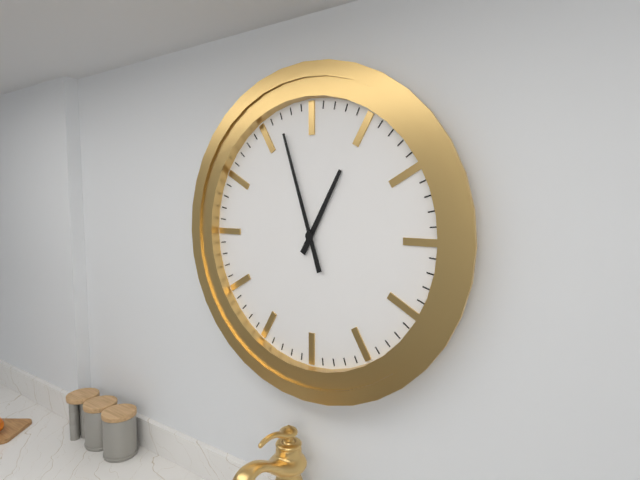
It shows 12.57
